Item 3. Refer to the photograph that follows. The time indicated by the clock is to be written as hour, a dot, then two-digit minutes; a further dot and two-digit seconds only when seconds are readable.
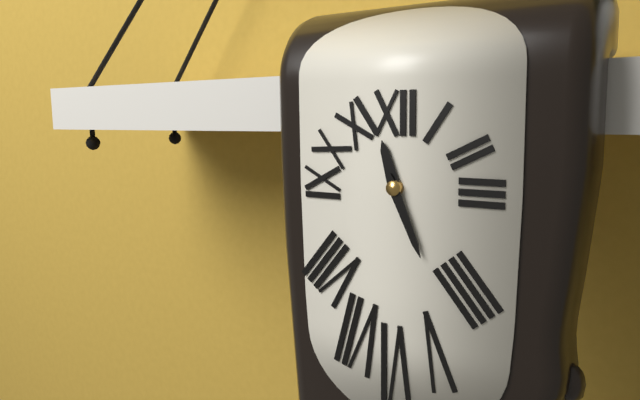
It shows 11.26
